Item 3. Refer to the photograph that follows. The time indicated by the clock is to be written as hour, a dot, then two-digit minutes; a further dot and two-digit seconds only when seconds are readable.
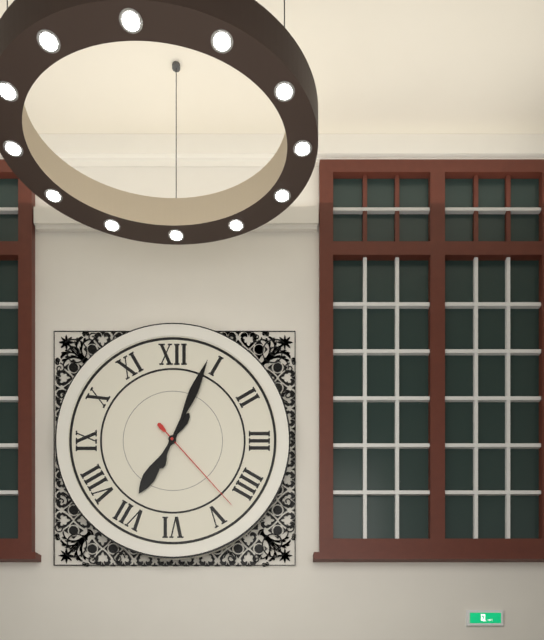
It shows 7.04.23
